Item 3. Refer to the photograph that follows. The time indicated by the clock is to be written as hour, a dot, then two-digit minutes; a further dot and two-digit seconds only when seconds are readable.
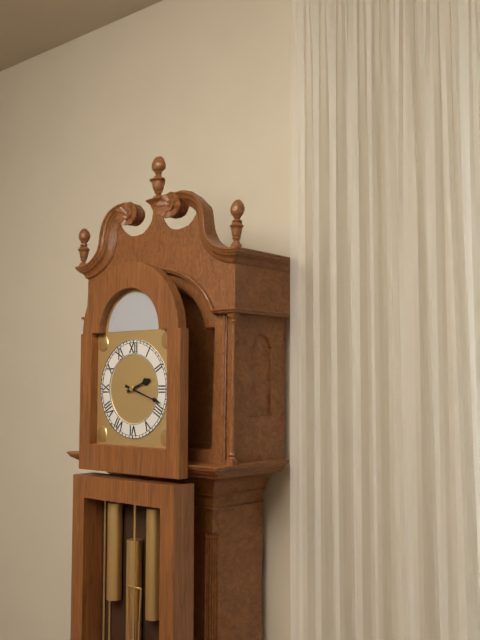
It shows 2.18
